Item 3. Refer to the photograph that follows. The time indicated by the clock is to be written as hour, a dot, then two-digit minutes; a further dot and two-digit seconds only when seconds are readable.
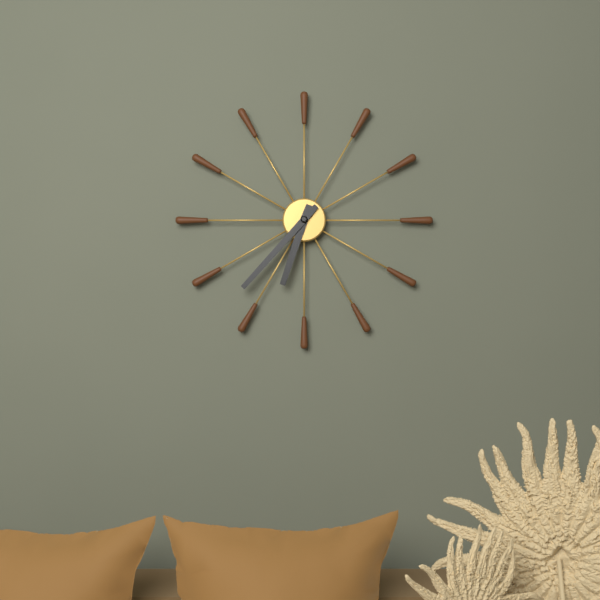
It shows 6.37
